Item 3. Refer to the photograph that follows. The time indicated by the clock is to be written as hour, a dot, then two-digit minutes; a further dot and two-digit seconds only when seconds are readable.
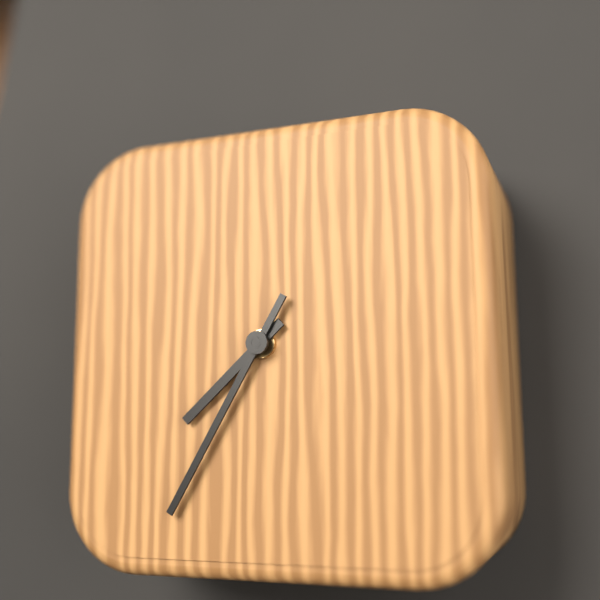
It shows 7.35
